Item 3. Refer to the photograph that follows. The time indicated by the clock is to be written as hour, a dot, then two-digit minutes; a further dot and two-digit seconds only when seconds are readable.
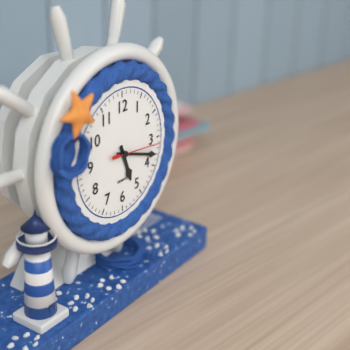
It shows 5.18
